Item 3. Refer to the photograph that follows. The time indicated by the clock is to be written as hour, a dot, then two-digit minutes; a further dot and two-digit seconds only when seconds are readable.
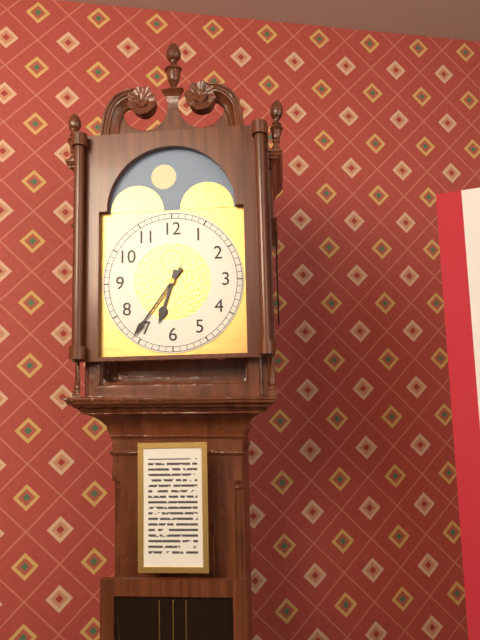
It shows 6.36
